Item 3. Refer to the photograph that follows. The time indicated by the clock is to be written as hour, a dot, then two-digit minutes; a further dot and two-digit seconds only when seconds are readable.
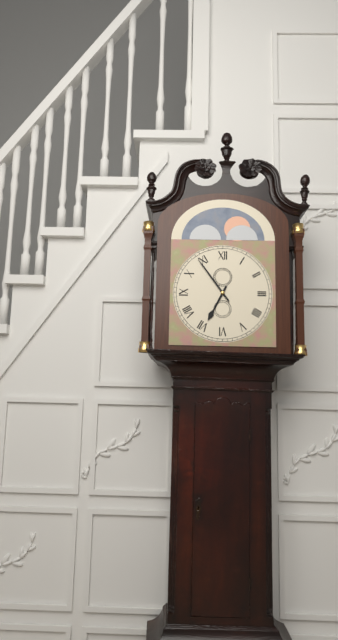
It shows 6.54
